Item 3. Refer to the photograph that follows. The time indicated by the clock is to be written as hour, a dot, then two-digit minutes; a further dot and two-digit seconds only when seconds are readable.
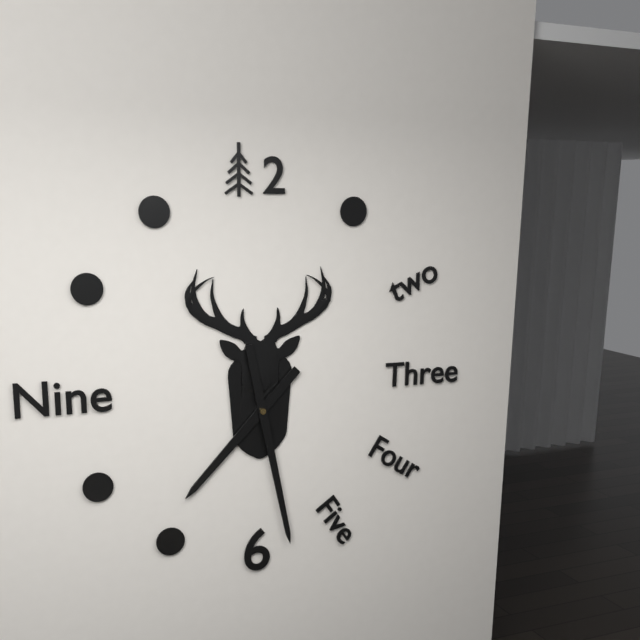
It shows 7.28
